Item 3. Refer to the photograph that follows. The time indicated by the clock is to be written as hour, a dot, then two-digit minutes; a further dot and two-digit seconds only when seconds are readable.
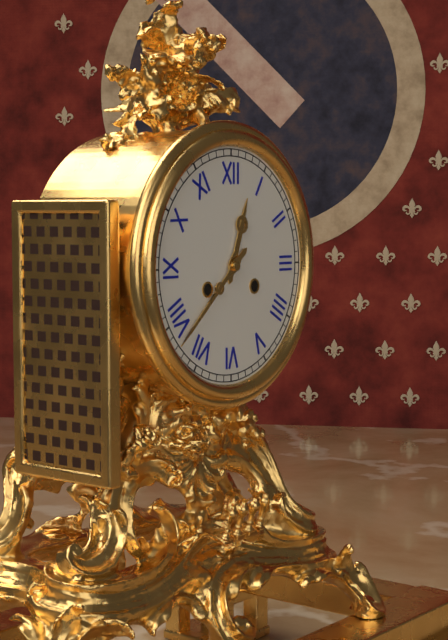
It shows 12.38
